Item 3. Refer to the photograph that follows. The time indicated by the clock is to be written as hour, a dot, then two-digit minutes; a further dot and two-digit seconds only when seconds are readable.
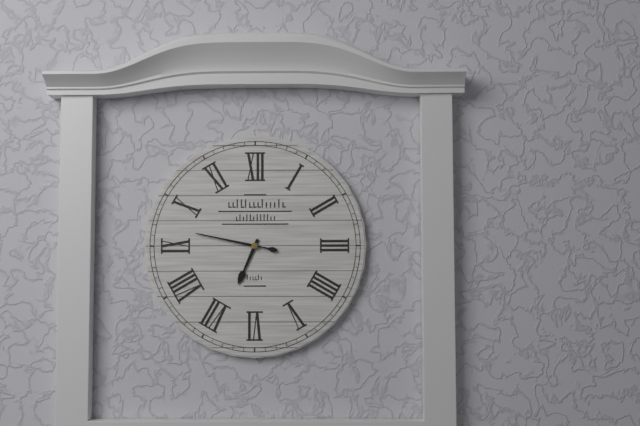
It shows 6.47
